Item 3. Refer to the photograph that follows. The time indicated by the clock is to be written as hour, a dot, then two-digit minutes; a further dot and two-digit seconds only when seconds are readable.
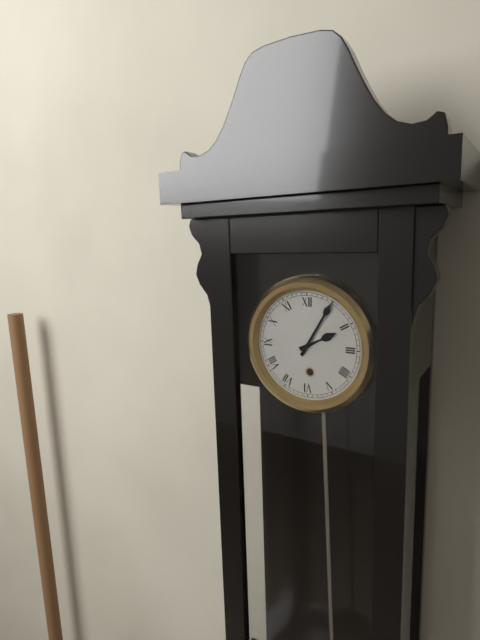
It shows 2.05
